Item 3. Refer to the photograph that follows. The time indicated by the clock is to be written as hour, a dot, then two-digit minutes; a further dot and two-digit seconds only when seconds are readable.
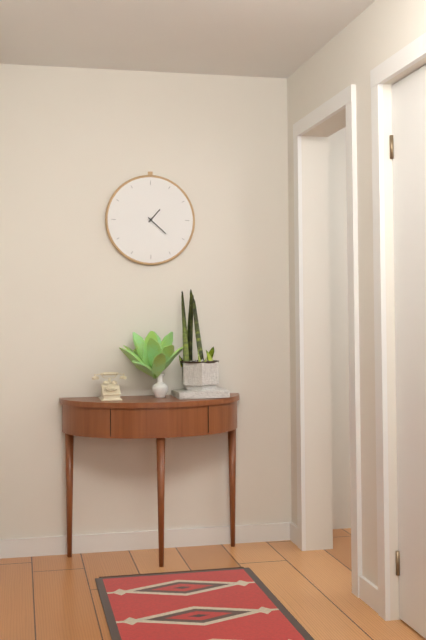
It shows 1.22
